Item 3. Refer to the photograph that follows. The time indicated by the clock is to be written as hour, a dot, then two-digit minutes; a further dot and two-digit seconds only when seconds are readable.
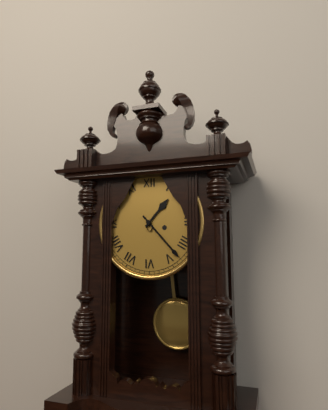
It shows 1.23
